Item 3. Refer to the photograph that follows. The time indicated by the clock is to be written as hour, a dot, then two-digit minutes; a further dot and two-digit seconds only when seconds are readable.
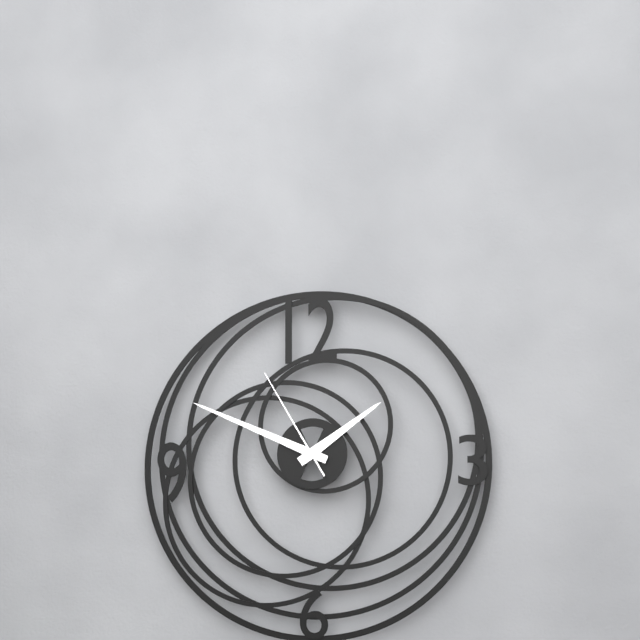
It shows 1.49.55
